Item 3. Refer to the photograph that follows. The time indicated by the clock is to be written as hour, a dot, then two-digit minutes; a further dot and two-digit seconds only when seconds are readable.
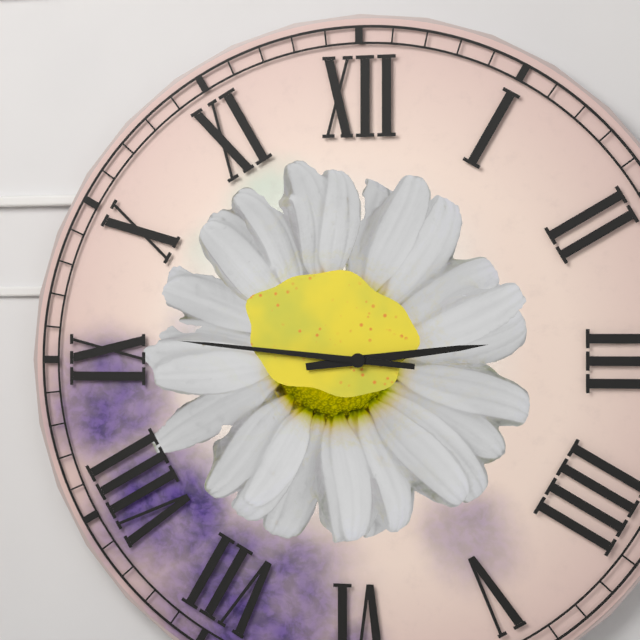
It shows 2.46
